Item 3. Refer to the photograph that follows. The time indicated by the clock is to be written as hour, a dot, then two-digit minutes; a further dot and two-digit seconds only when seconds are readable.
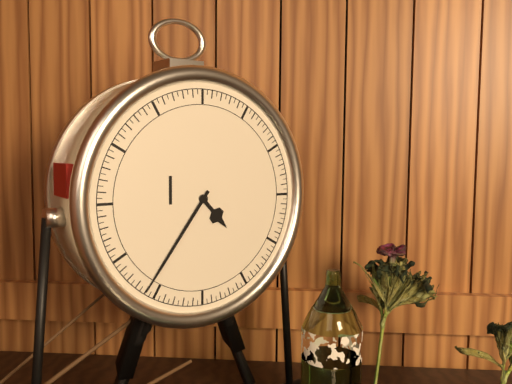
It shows 4.36
